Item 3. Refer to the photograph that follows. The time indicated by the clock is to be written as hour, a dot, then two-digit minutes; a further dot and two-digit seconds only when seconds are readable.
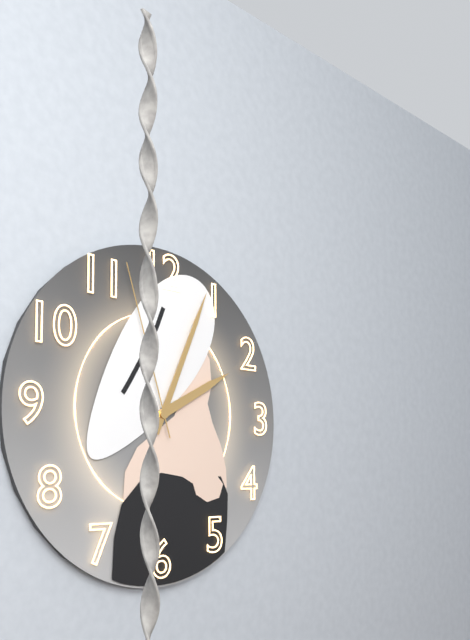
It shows 2.04.57
